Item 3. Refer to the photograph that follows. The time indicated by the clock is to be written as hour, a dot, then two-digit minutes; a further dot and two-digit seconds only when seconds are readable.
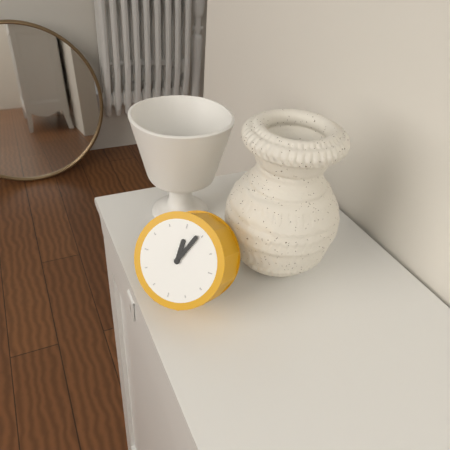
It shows 12.04
